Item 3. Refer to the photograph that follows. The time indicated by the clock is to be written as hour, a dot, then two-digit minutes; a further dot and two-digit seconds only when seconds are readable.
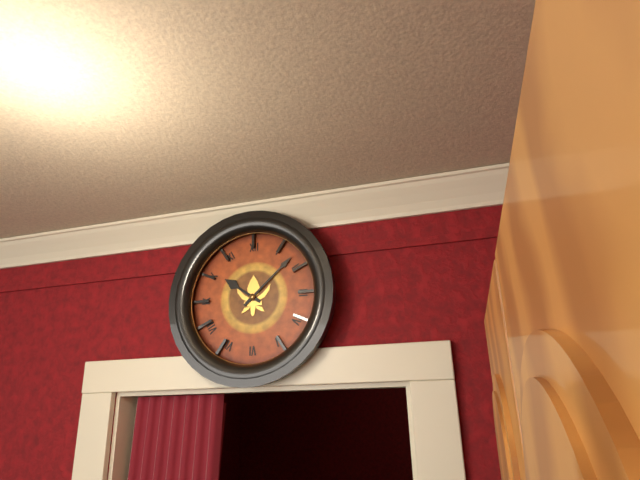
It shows 10.08
